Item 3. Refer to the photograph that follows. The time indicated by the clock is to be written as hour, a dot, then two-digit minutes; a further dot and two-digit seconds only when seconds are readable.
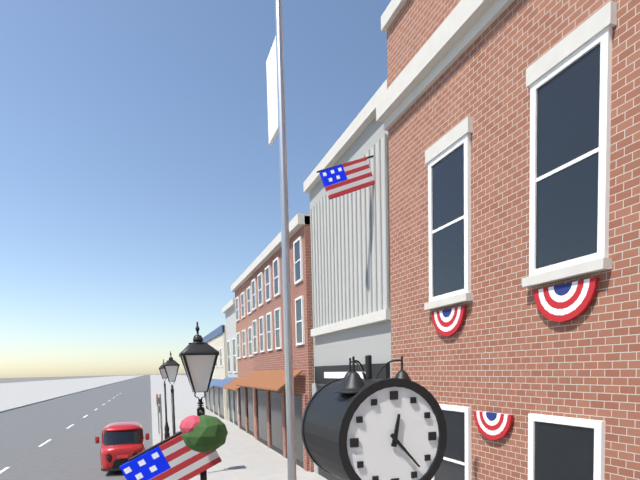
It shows 12.23
